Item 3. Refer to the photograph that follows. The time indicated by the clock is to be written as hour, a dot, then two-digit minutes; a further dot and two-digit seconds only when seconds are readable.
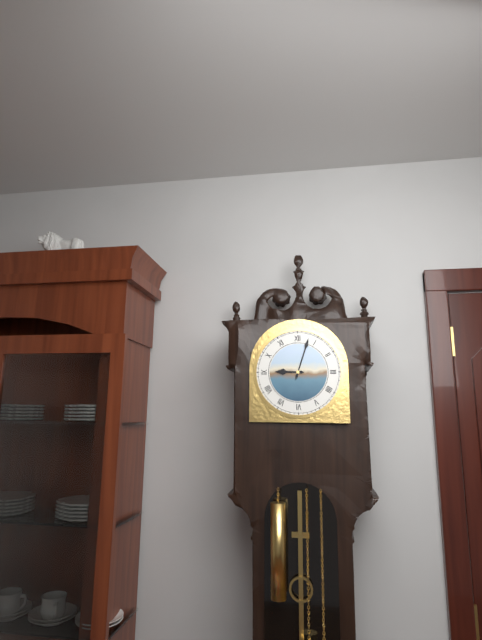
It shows 9.03
